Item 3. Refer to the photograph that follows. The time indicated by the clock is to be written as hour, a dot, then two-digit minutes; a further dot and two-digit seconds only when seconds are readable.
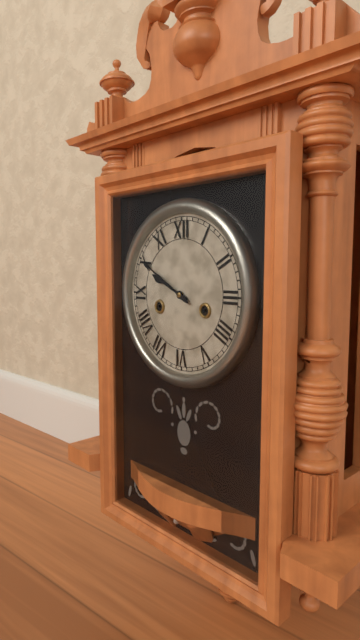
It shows 9.50
